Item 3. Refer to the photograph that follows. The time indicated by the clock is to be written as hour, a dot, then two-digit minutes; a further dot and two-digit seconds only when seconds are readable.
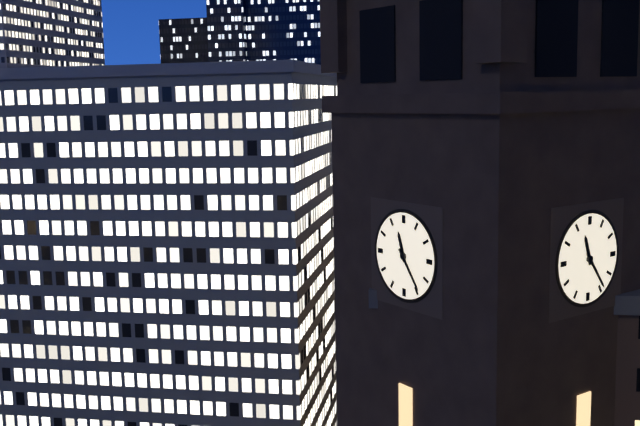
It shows 11.24
